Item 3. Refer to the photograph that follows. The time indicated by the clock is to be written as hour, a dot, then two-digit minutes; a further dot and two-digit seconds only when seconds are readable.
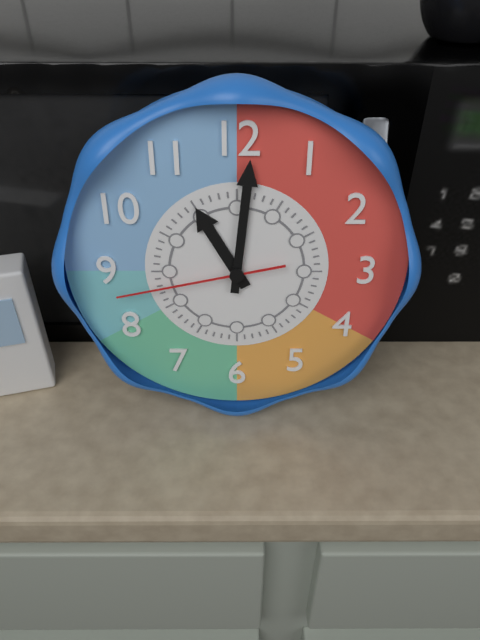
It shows 11.01.43
